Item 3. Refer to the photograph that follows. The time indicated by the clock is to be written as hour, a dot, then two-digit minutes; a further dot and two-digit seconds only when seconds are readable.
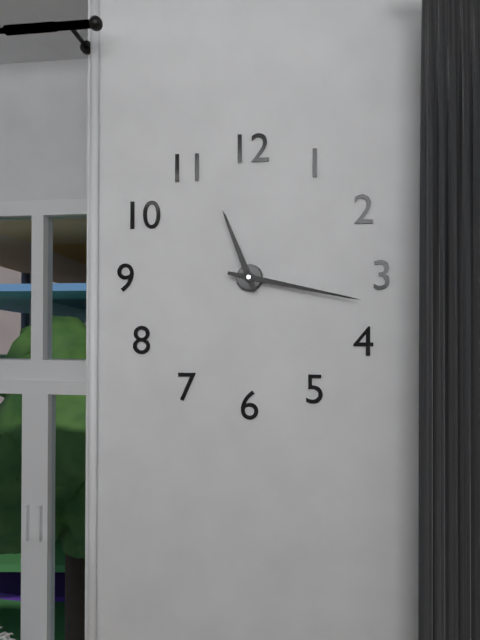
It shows 11.17
